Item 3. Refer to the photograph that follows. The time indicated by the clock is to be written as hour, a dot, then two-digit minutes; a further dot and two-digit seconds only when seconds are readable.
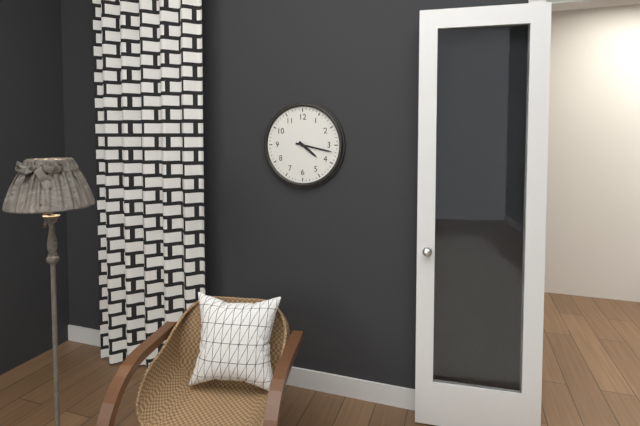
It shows 4.17
